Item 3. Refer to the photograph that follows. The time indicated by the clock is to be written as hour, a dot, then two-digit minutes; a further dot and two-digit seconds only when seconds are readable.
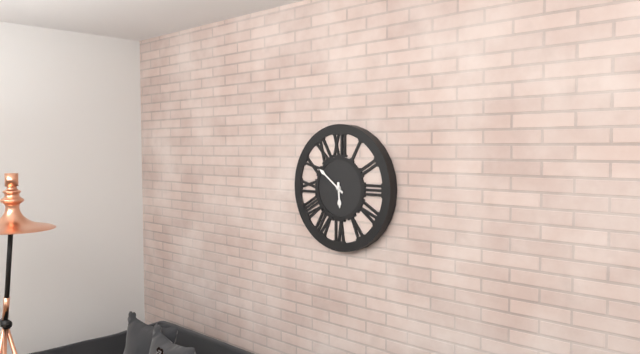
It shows 5.51
